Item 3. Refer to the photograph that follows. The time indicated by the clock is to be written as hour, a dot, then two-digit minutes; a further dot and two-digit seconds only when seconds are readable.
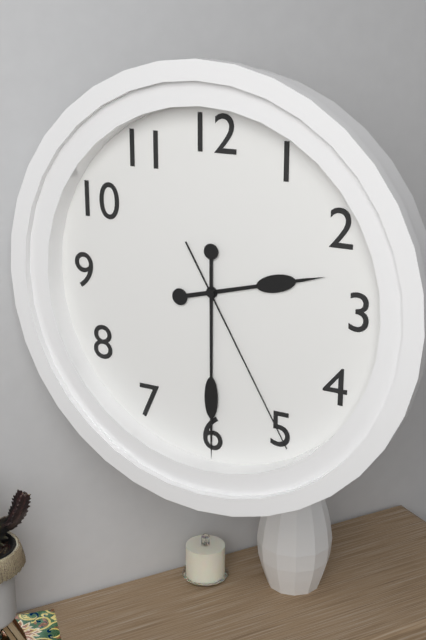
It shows 2.30.25
